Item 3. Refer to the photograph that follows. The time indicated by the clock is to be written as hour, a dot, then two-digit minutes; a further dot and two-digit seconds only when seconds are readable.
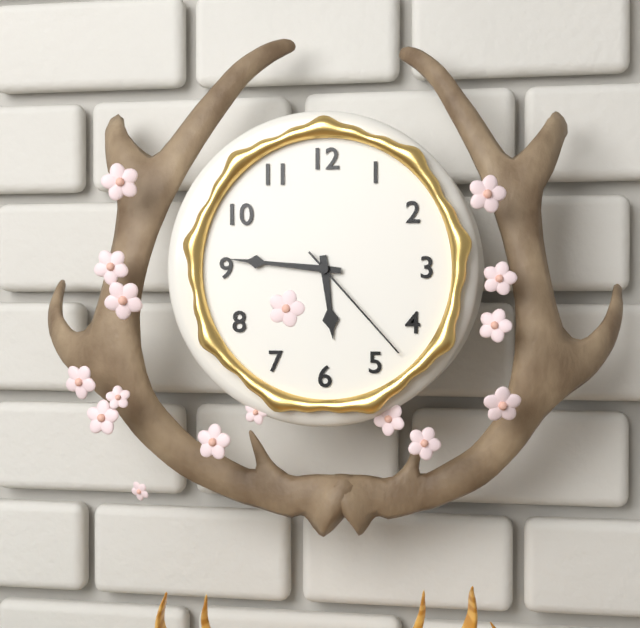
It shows 5.46.23
